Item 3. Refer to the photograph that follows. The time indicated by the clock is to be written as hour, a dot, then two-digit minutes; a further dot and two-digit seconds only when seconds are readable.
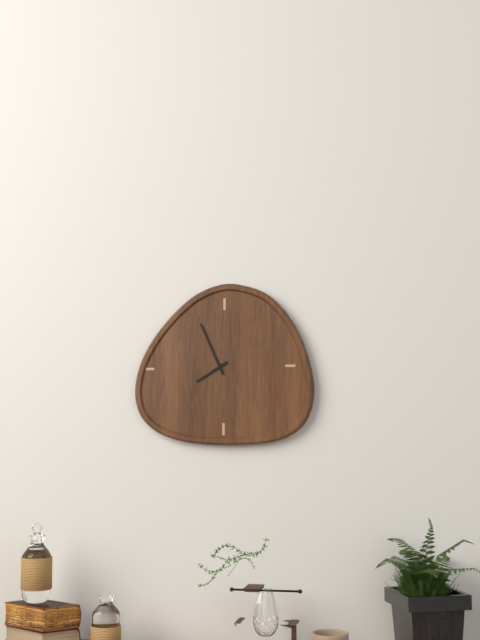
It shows 7.56
